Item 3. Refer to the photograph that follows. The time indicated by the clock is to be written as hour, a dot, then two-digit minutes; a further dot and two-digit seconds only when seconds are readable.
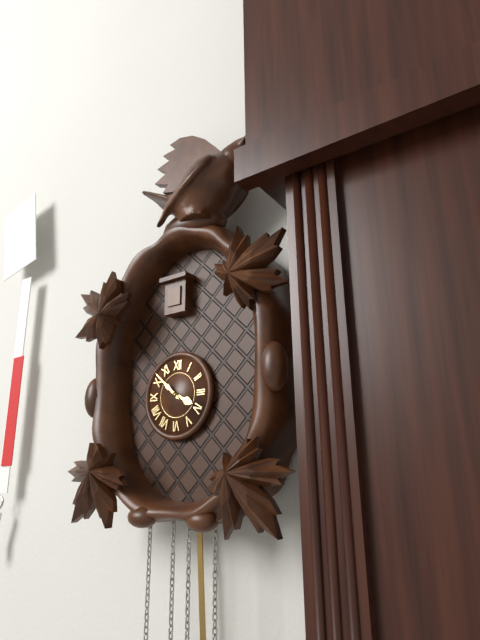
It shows 3.52
